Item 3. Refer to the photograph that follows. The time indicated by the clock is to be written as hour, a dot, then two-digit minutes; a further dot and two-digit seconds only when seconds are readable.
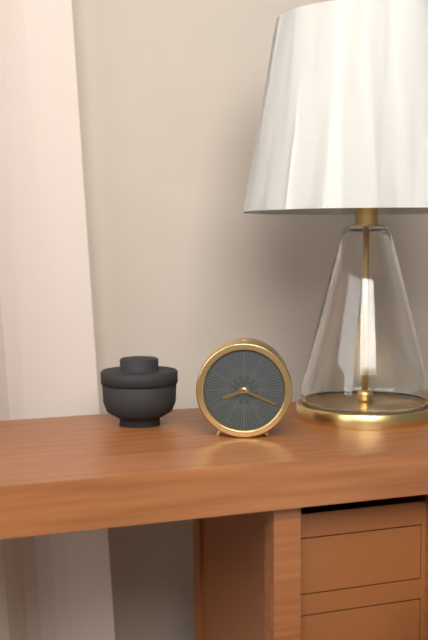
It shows 8.19
